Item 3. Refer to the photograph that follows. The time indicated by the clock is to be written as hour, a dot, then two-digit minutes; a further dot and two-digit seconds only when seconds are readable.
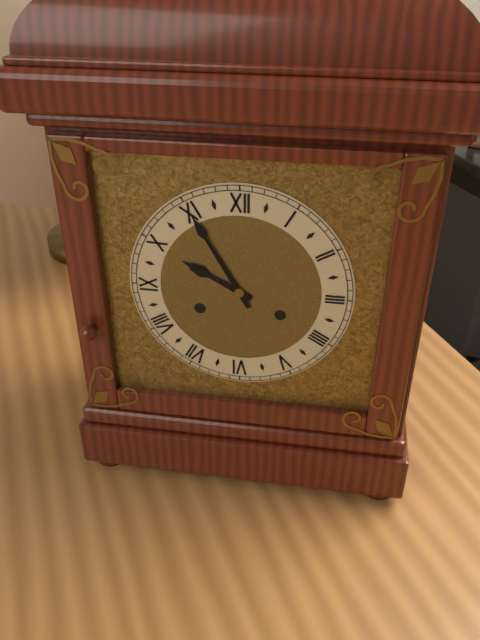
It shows 9.55
